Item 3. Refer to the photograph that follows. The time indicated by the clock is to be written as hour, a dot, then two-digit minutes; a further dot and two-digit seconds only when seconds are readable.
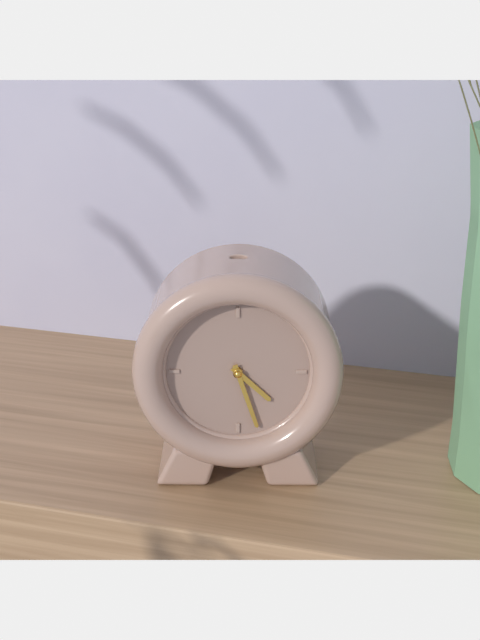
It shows 4.27
